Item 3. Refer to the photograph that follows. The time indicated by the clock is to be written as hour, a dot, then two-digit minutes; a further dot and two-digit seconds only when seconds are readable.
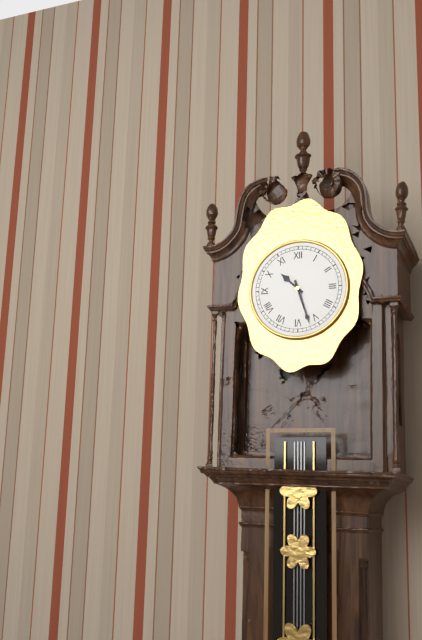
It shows 10.27
